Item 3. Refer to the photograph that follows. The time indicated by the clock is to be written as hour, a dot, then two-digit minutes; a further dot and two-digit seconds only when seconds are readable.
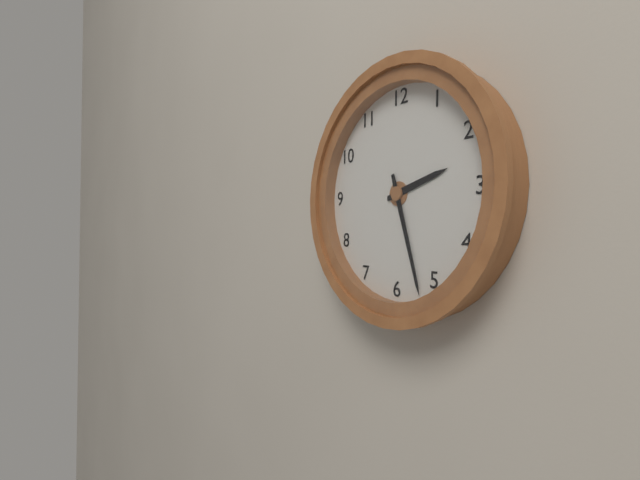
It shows 2.27
